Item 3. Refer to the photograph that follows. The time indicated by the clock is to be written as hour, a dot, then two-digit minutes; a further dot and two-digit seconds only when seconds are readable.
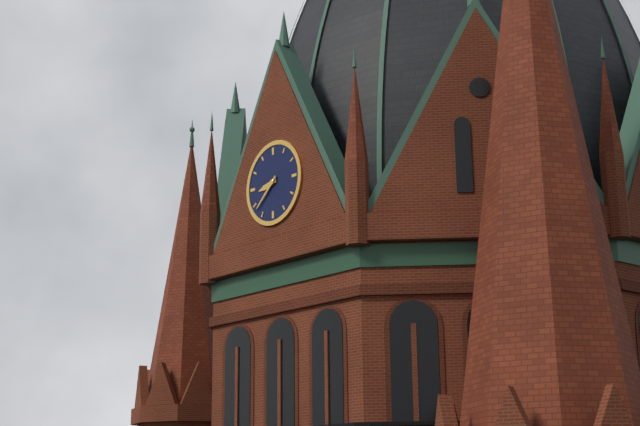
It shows 8.38
